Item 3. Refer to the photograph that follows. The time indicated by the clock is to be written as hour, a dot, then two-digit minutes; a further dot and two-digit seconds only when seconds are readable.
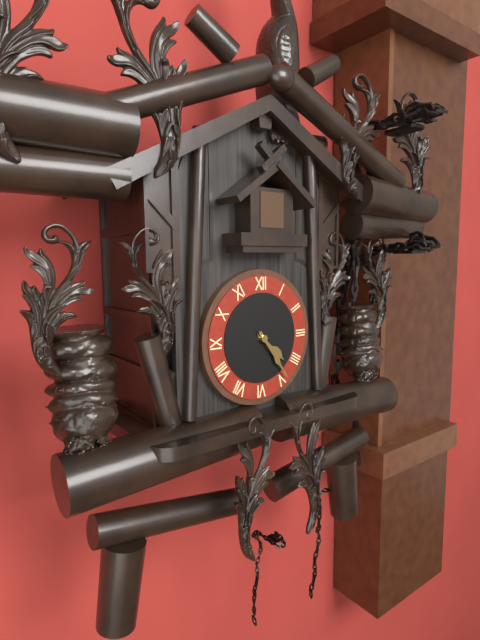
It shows 4.24
